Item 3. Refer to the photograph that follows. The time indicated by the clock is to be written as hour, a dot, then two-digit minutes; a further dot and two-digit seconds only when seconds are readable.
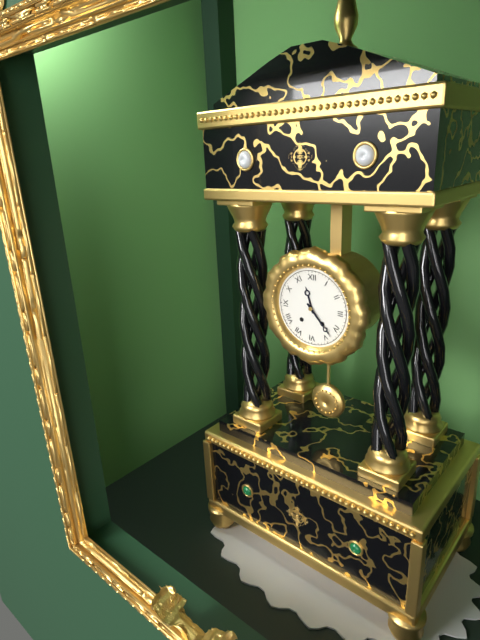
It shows 11.23
